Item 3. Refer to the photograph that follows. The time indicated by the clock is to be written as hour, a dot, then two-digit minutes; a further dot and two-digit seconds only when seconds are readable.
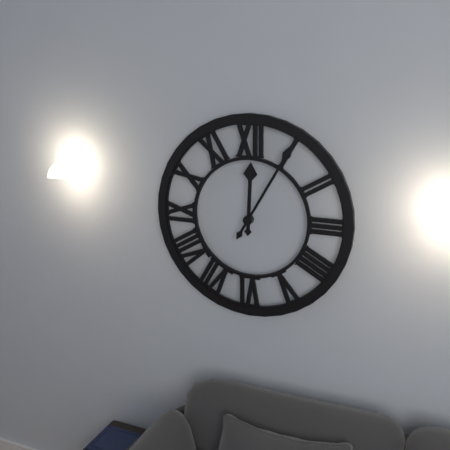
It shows 12.05
